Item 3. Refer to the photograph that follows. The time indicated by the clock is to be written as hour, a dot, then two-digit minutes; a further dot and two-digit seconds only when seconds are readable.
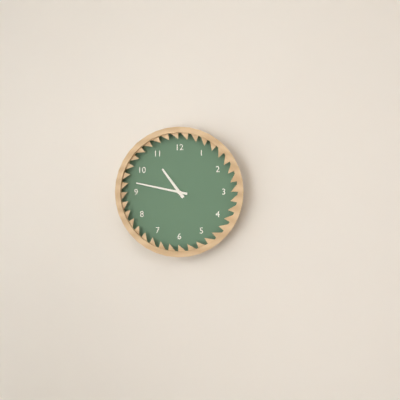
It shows 10.47
